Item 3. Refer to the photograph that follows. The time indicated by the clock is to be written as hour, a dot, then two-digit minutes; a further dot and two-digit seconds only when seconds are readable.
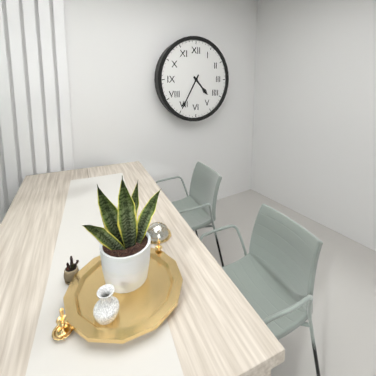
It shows 4.35
